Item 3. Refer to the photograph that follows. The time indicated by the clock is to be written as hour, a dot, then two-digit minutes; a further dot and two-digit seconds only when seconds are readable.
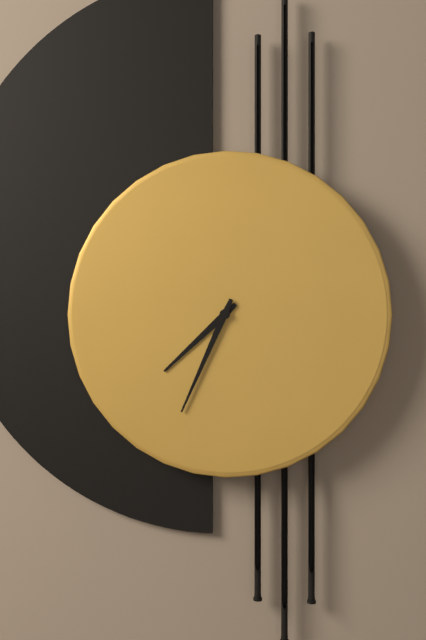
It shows 7.34
